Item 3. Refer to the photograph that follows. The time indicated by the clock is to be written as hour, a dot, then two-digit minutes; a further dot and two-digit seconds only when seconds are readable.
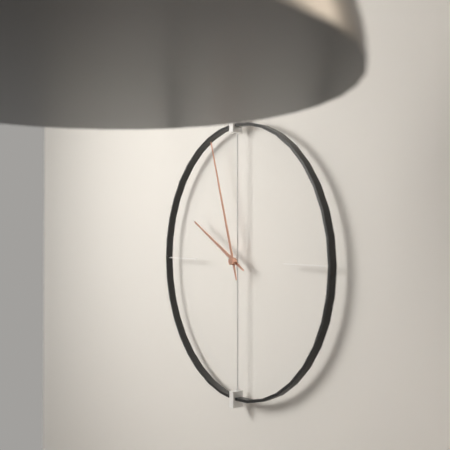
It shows 9.57
